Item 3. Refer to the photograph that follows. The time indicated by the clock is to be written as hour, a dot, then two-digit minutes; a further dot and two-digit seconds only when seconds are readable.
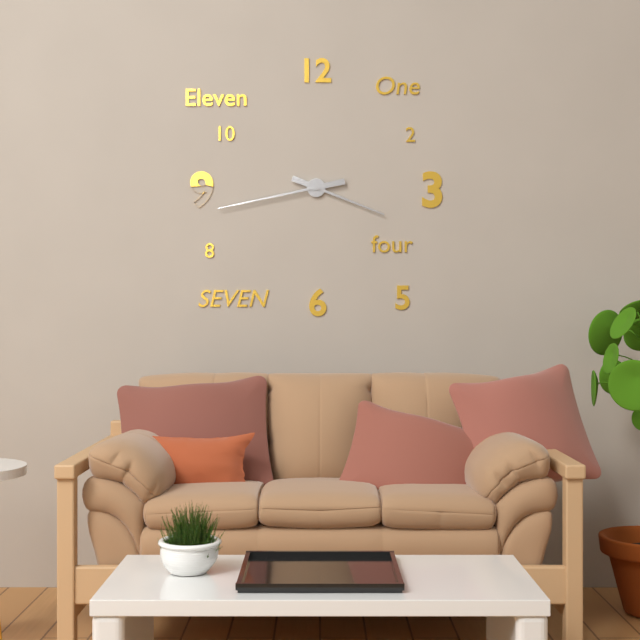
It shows 3.43
